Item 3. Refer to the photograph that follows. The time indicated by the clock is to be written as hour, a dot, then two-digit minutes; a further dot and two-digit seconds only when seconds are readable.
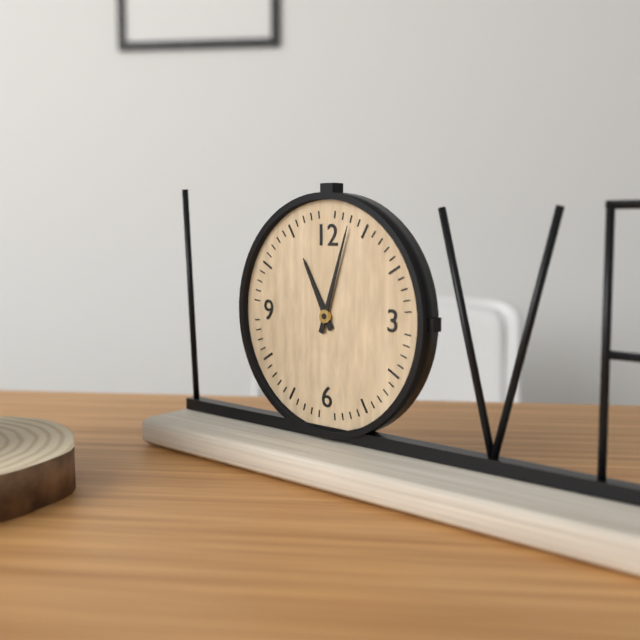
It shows 11.03
